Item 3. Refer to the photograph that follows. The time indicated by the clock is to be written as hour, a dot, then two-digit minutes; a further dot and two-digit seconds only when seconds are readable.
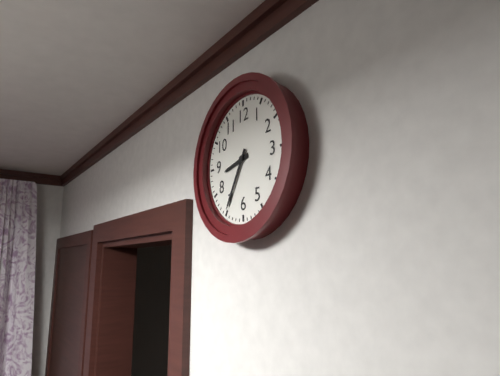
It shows 8.35
